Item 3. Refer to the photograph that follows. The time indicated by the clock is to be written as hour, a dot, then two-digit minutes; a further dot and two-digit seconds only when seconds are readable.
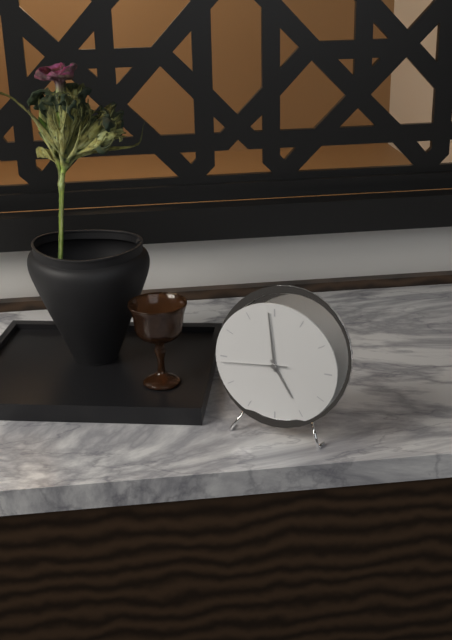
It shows 4.59.44
